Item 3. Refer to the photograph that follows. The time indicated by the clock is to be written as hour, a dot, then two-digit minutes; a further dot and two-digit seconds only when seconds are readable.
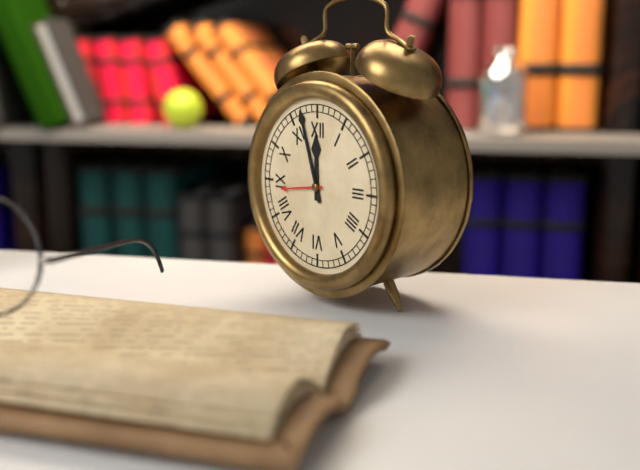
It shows 11.57
